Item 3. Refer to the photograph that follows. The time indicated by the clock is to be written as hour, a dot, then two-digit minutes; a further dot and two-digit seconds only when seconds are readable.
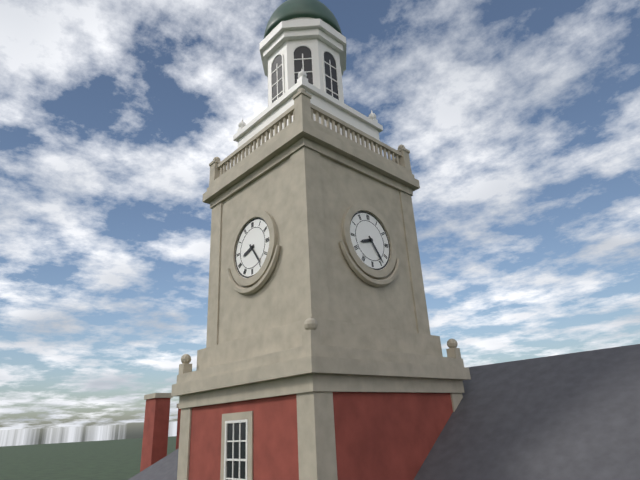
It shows 8.24
